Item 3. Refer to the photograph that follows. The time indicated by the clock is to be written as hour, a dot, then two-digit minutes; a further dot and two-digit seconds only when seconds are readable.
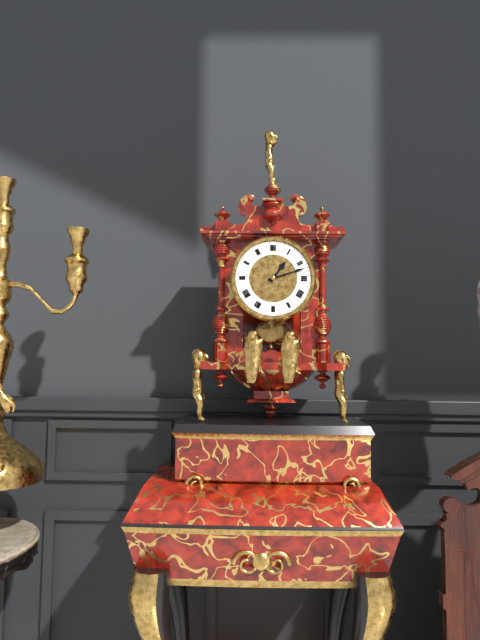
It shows 1.12
